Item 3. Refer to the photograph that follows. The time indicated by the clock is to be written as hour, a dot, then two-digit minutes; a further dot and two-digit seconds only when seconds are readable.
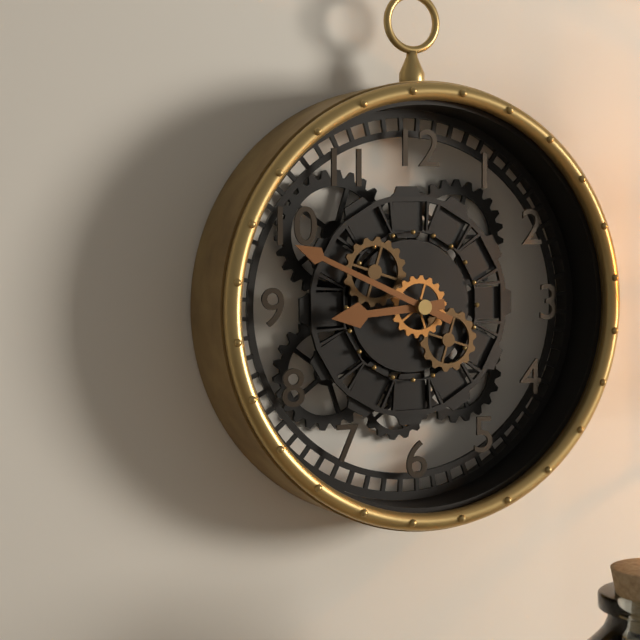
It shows 8.49
